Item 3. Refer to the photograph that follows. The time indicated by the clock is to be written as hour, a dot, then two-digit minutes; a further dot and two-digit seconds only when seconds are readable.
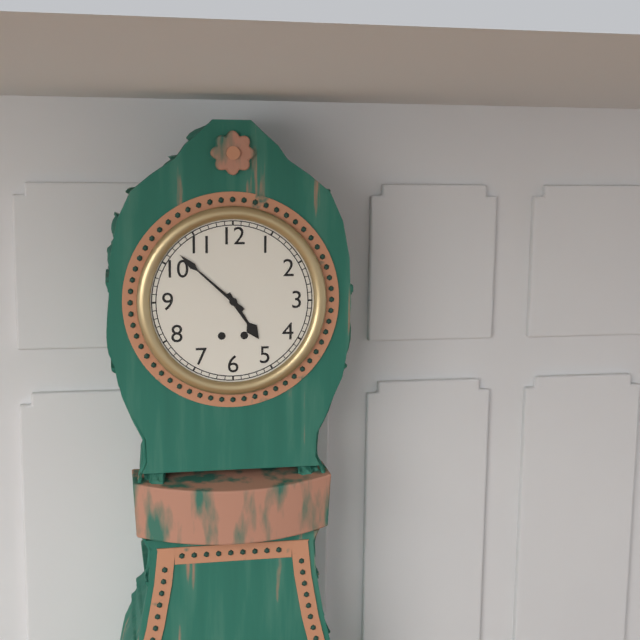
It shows 4.52
